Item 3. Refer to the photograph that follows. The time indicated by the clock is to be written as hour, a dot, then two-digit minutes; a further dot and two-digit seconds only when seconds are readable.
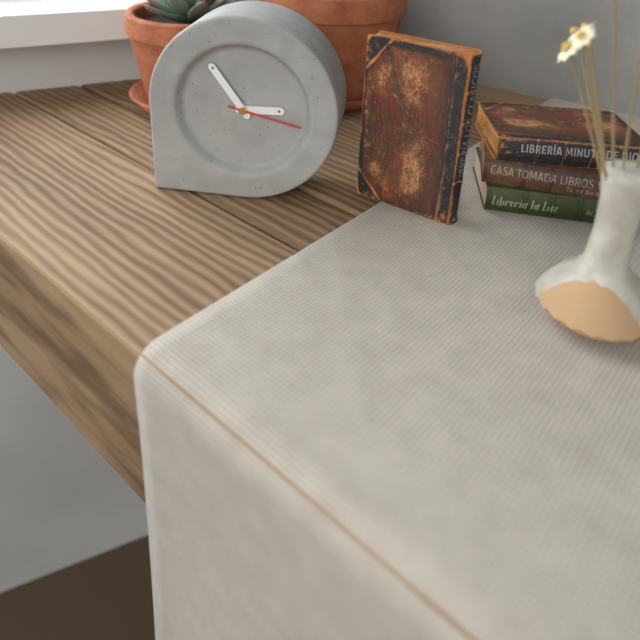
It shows 2.54.17
